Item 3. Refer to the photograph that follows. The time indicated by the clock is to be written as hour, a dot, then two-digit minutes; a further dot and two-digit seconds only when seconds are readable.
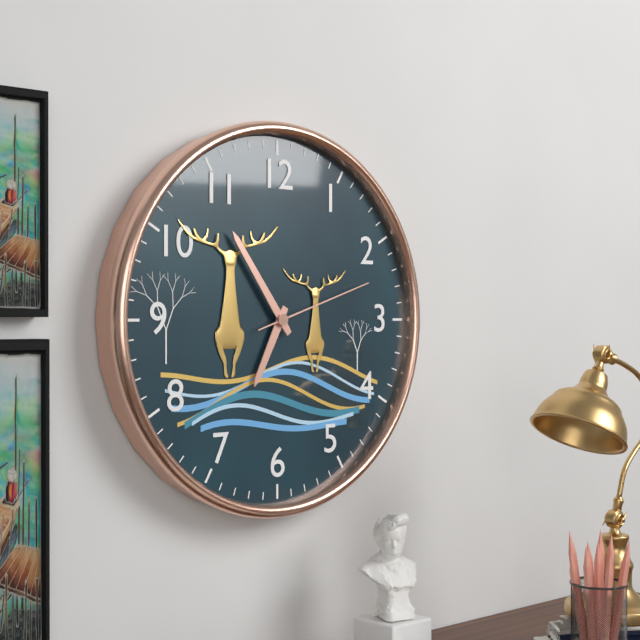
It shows 6.54.12
